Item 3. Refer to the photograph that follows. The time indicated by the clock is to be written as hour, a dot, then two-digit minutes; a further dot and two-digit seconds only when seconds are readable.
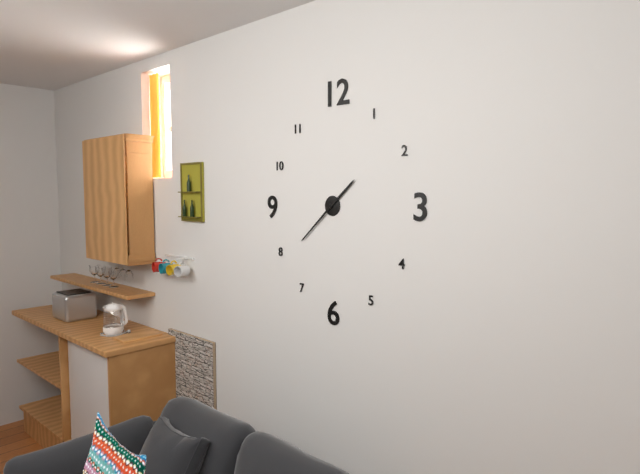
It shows 1.38
